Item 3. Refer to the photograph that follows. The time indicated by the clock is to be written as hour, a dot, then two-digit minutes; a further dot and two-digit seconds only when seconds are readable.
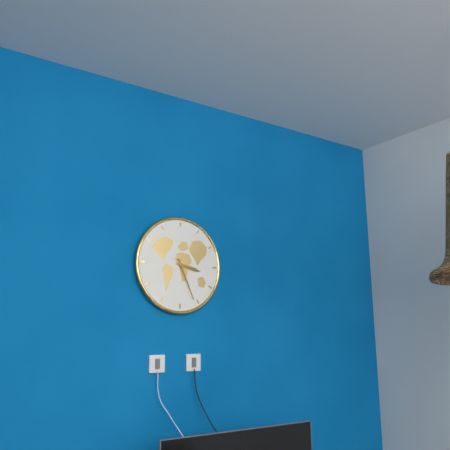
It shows 3.26
